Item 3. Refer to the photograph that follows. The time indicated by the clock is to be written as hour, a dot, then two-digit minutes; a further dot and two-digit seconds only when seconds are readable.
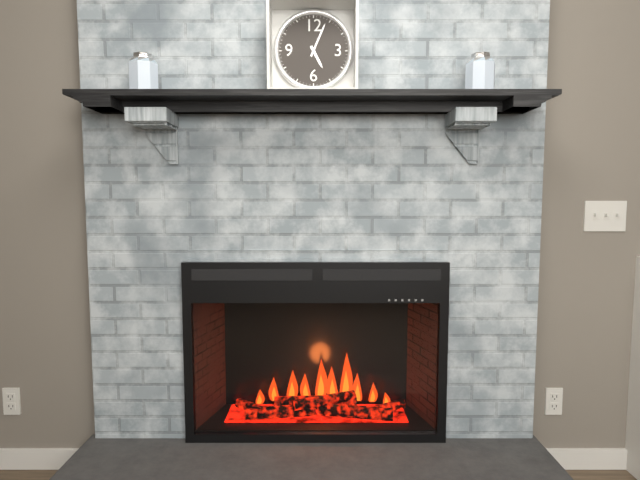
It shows 5.04
